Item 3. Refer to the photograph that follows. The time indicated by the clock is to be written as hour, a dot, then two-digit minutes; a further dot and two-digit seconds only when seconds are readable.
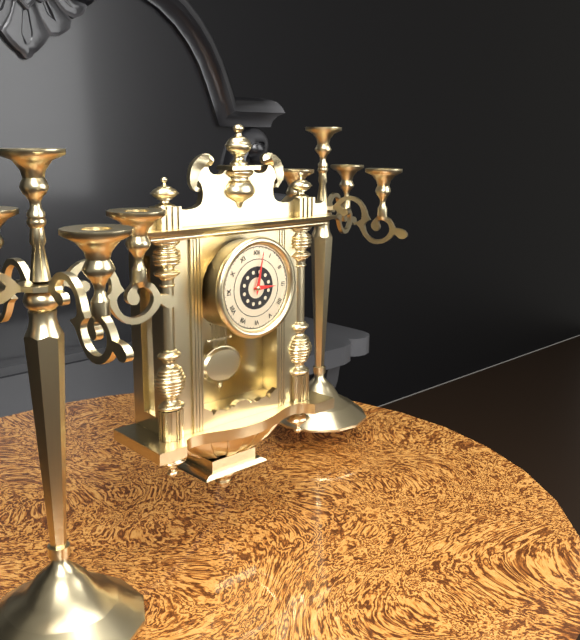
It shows 3.02
